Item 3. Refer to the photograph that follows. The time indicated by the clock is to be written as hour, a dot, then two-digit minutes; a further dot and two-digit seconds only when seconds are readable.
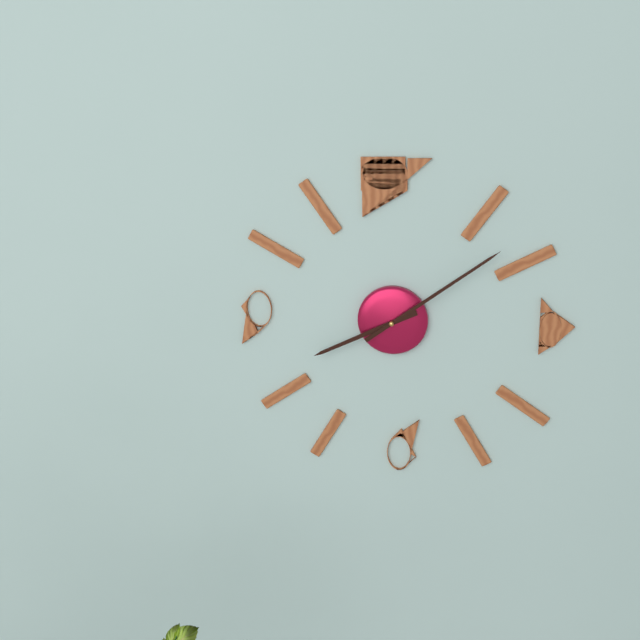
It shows 8.09
